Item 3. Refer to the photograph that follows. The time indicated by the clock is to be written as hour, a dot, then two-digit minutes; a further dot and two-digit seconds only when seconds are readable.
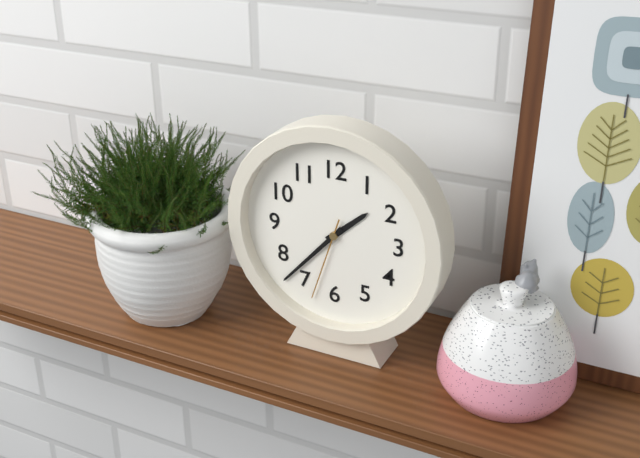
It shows 1.37.33
